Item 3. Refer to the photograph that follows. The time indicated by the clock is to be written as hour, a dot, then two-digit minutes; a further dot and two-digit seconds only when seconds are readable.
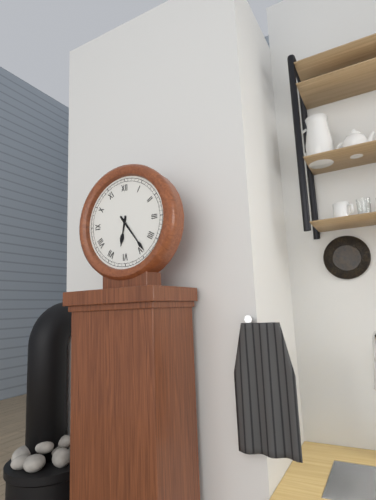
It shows 6.24
